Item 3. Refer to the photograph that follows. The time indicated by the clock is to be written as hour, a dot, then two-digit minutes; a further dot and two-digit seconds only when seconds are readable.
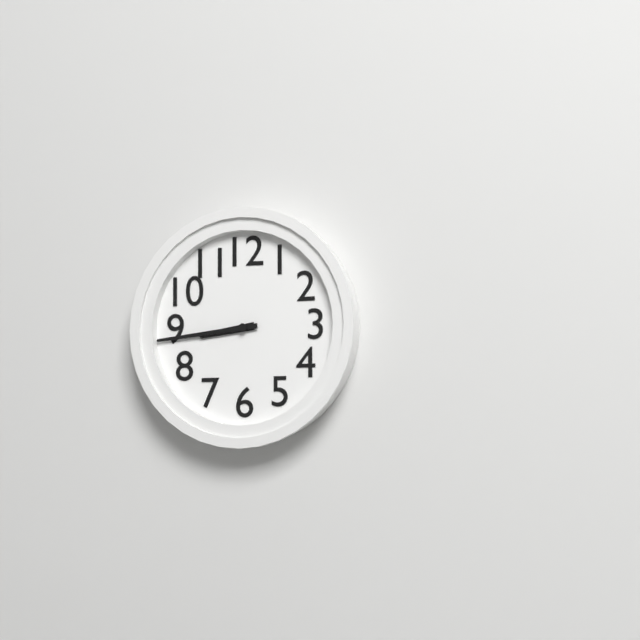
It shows 8.44
